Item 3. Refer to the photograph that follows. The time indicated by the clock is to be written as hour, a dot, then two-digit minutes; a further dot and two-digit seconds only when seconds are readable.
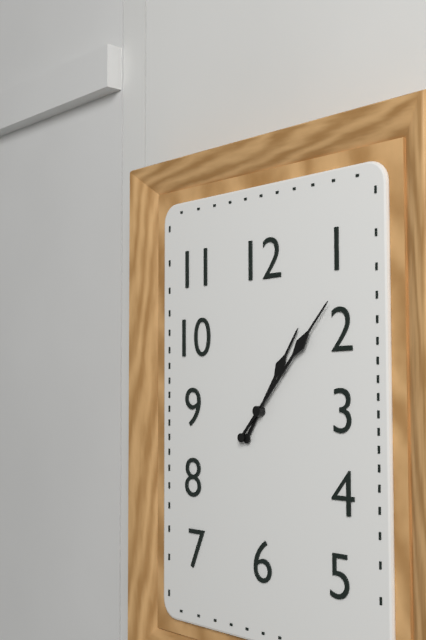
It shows 1.07
